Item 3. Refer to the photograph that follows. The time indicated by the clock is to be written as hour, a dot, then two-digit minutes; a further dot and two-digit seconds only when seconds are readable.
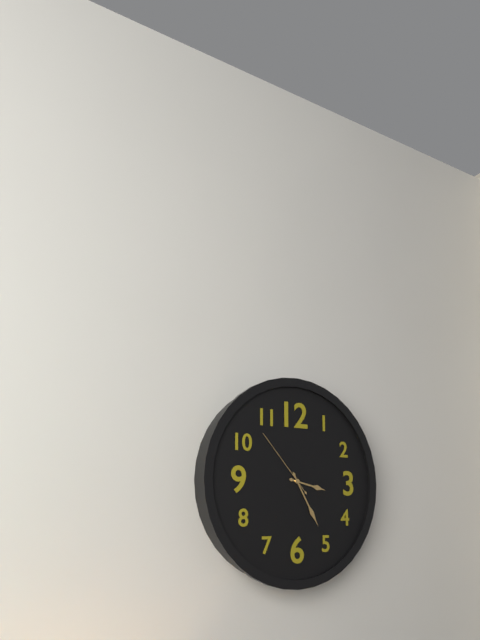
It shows 3.25.53
